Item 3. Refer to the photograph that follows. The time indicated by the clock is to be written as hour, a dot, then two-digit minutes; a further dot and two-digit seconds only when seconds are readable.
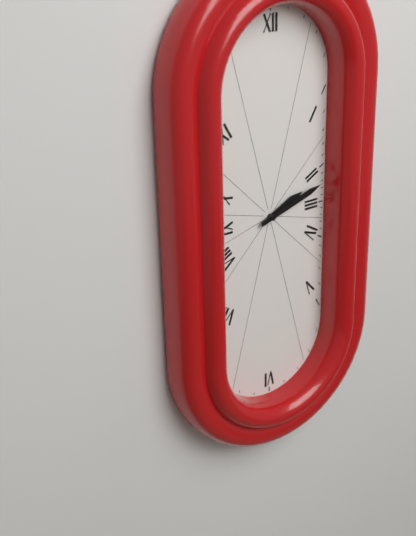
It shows 2.12
